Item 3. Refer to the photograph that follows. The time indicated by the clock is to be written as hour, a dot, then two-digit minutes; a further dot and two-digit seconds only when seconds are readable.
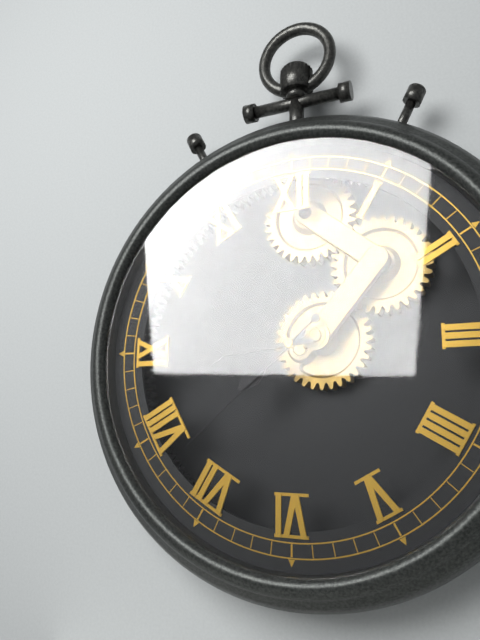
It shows 7.44.38
